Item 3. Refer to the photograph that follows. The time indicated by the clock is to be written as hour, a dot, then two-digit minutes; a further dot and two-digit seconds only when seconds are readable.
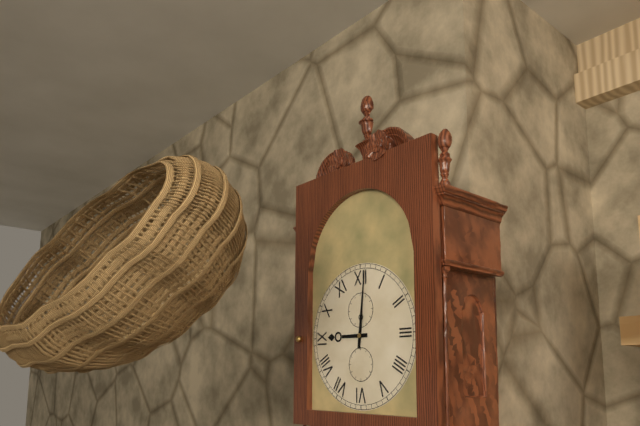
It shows 9.01
